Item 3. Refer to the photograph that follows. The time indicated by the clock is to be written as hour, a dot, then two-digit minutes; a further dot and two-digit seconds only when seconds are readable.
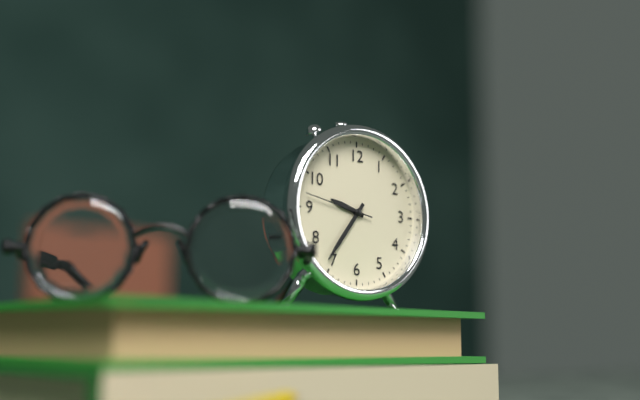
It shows 9.36.47
